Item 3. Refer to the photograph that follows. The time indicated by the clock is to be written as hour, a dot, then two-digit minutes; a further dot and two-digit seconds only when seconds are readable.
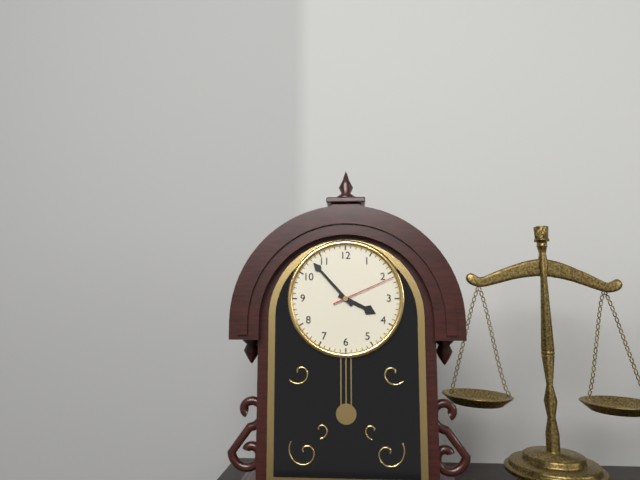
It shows 3.53.11
